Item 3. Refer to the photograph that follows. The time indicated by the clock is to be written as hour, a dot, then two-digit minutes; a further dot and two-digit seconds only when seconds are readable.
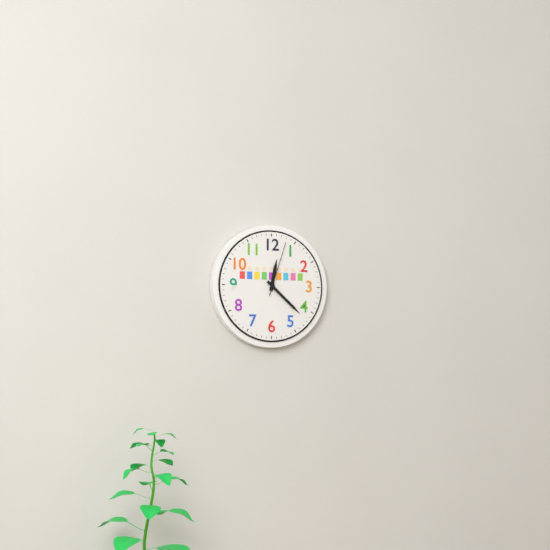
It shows 12.22.03
